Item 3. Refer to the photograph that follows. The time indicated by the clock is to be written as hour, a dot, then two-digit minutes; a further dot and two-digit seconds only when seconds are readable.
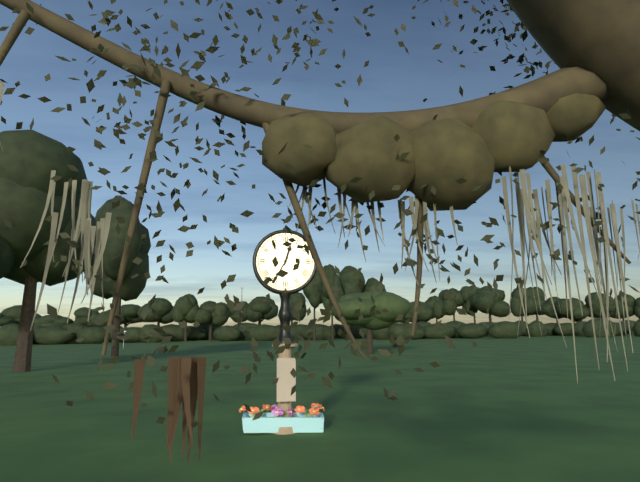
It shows 12.35
